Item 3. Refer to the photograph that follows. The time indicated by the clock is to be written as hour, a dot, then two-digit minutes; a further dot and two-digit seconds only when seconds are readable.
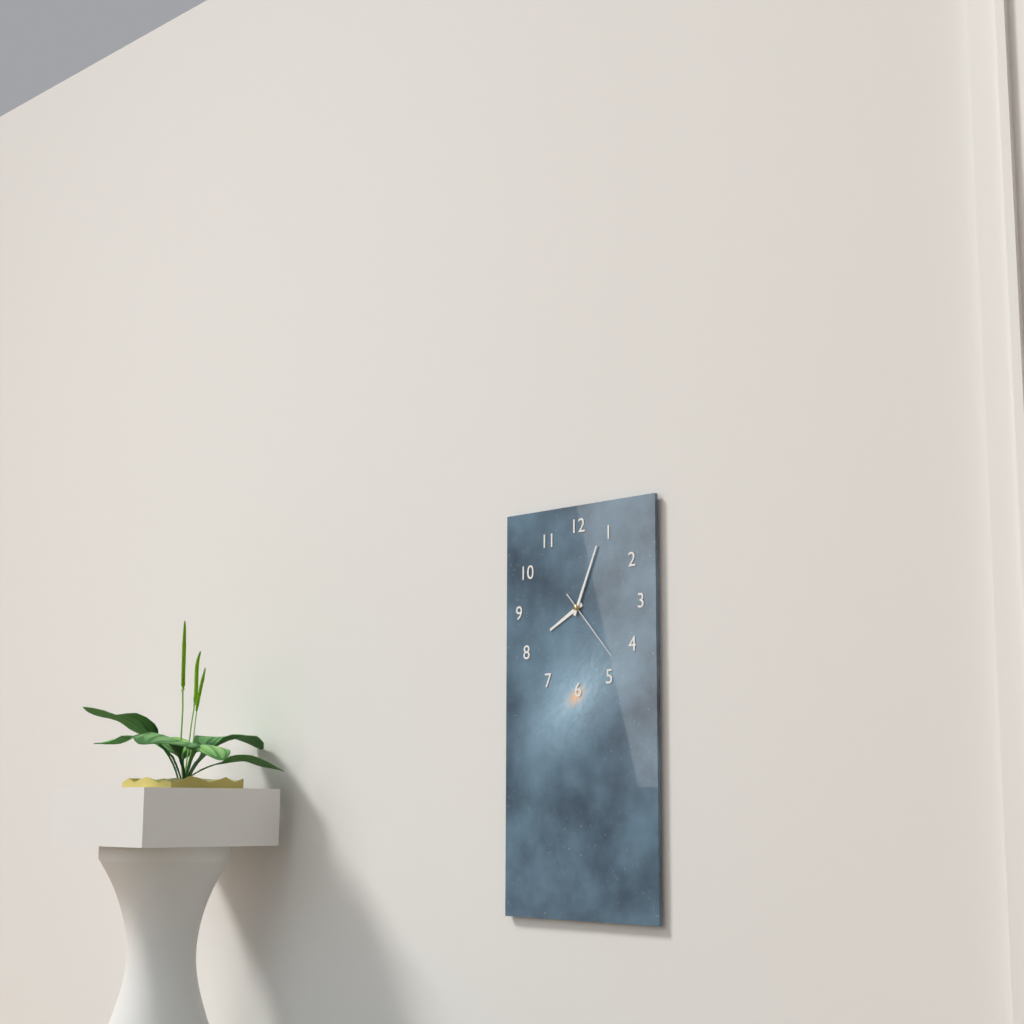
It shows 8.04.23
